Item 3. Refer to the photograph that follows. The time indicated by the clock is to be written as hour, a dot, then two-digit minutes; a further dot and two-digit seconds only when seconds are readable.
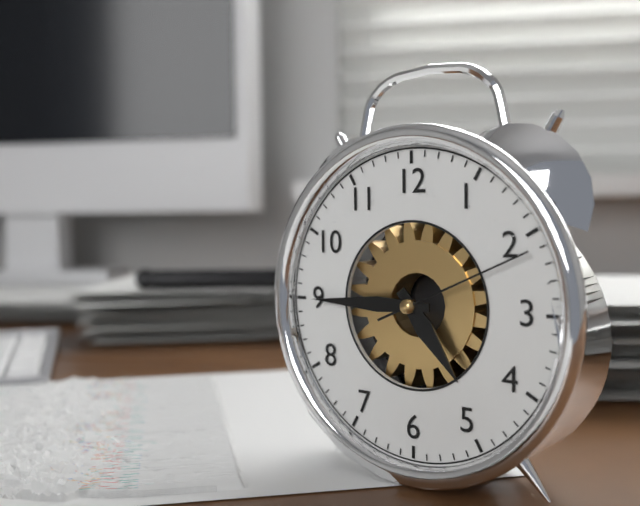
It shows 4.45.11
